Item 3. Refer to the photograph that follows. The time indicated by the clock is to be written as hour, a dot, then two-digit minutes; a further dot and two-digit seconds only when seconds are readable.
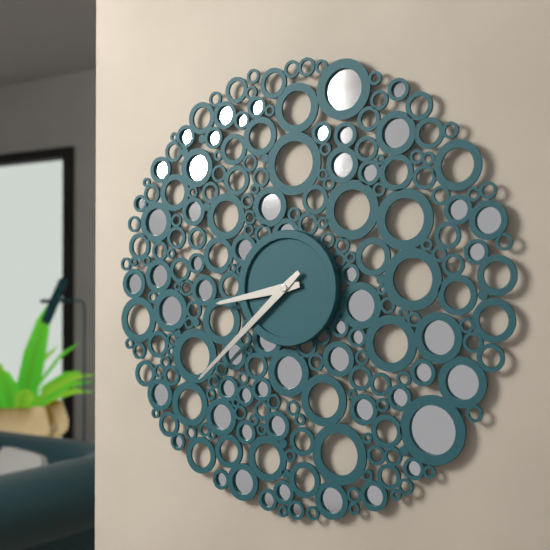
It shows 8.38
